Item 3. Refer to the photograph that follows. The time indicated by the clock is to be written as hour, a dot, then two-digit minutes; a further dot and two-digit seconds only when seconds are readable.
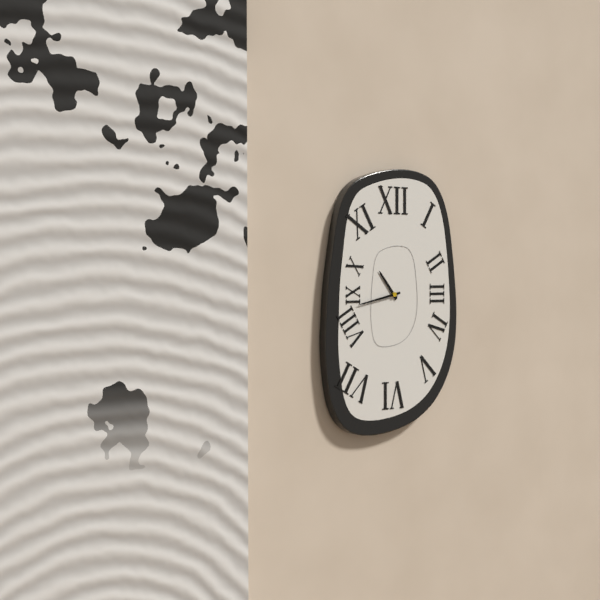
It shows 10.43
